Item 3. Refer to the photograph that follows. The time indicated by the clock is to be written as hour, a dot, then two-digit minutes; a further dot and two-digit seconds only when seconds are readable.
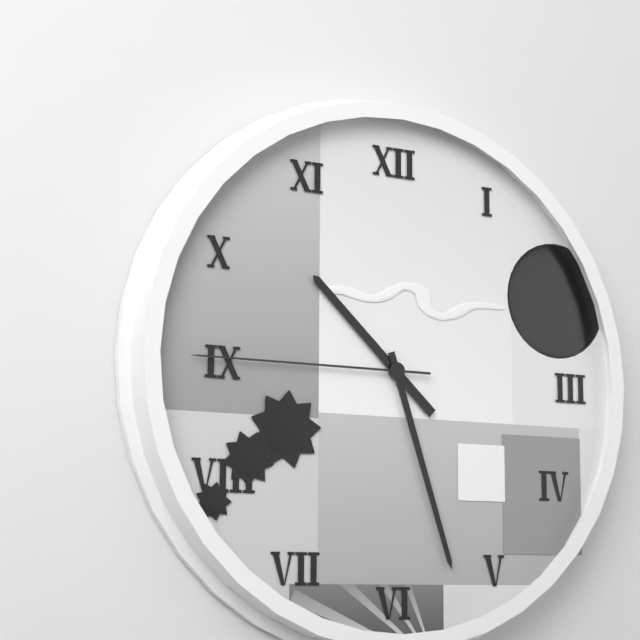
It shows 10.27.45
